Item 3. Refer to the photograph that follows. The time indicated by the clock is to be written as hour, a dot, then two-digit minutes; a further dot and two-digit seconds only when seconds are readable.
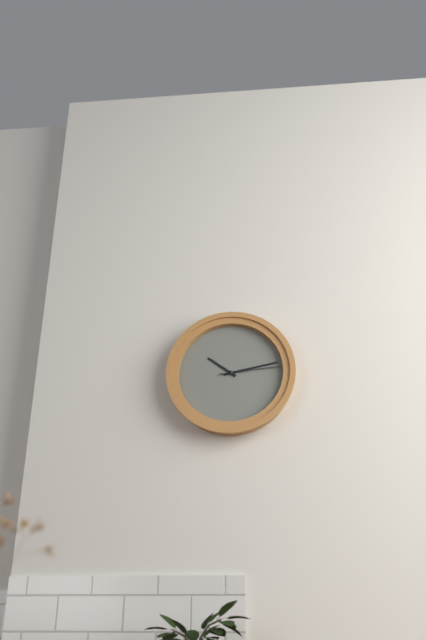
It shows 10.13.14
